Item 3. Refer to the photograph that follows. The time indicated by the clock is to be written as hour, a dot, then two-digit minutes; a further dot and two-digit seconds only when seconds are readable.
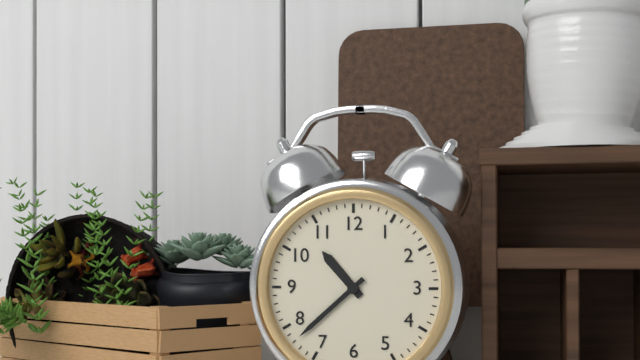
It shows 10.38
